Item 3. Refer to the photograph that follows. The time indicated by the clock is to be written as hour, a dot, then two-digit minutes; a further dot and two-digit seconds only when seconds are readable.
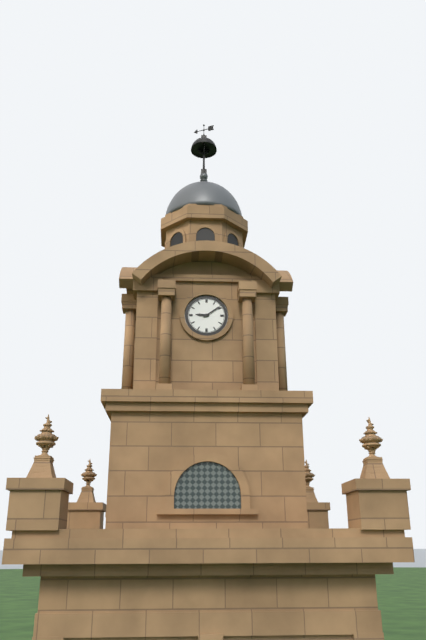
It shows 9.09
